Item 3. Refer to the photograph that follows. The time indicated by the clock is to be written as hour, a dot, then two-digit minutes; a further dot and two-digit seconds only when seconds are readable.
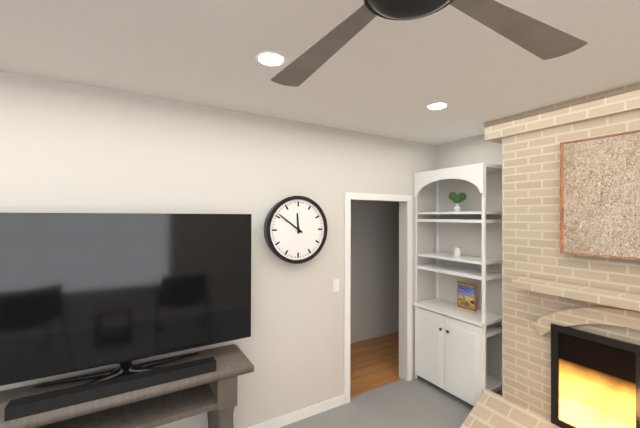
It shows 11.51
